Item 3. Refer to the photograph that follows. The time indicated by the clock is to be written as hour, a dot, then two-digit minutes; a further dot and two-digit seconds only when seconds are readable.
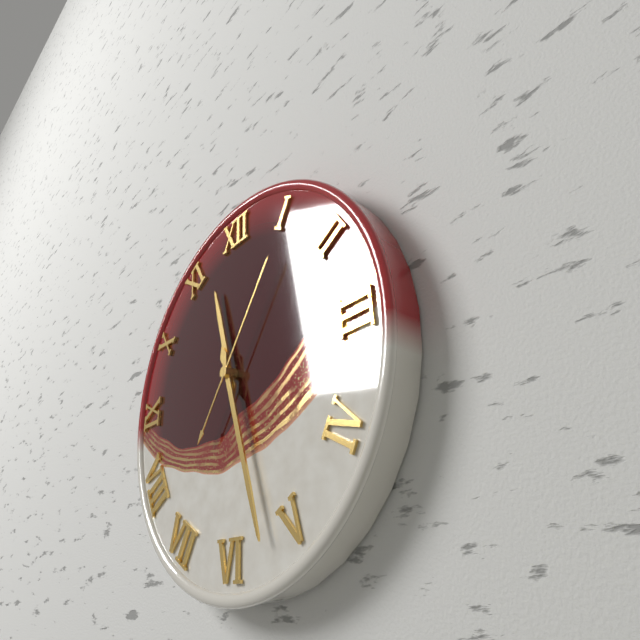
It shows 11.27.06
